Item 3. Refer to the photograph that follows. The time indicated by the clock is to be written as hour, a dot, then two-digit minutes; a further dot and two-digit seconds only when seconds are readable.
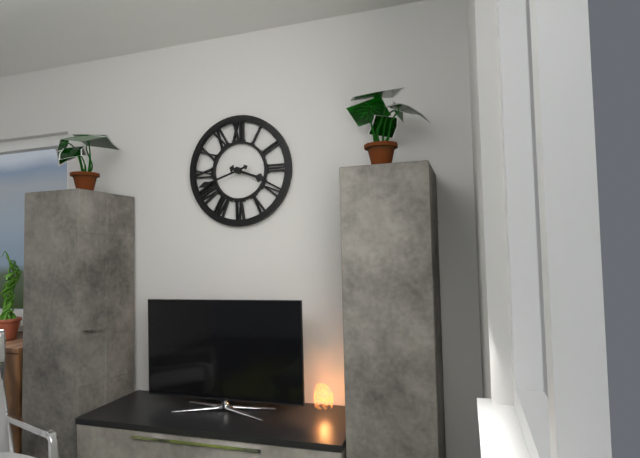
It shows 3.42
